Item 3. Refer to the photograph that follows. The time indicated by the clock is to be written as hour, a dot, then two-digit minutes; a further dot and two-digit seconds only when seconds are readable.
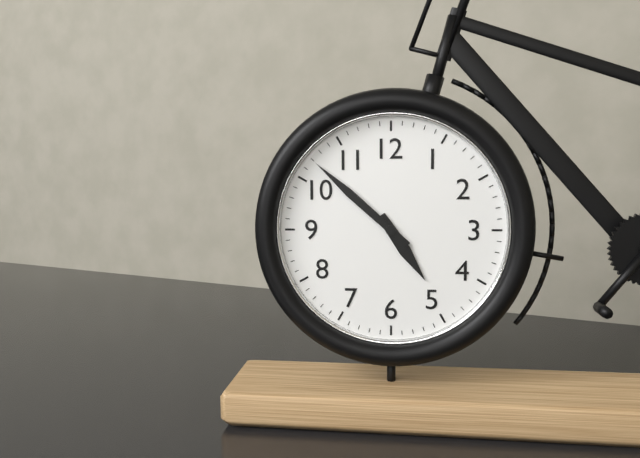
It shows 4.52
